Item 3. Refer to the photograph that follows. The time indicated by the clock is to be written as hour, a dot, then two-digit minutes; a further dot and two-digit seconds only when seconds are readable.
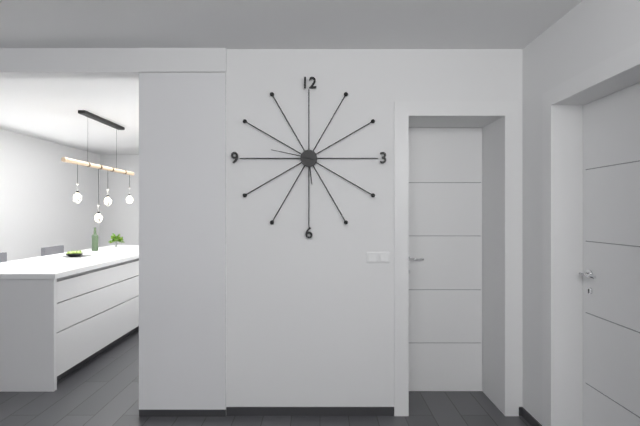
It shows 5.47
